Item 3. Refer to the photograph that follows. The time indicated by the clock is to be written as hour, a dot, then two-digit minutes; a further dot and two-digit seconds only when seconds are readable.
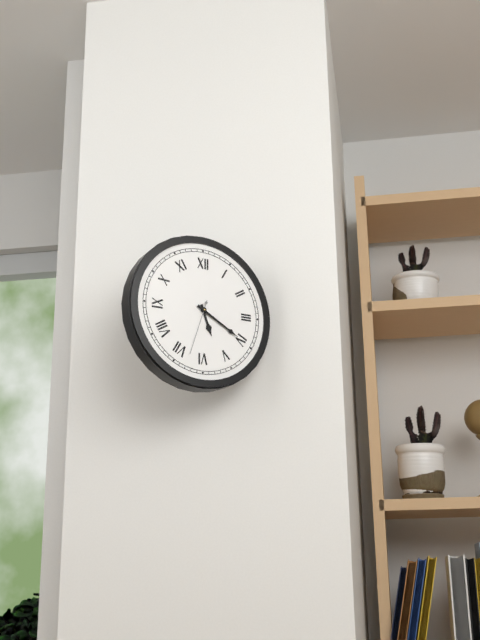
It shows 5.20.33
